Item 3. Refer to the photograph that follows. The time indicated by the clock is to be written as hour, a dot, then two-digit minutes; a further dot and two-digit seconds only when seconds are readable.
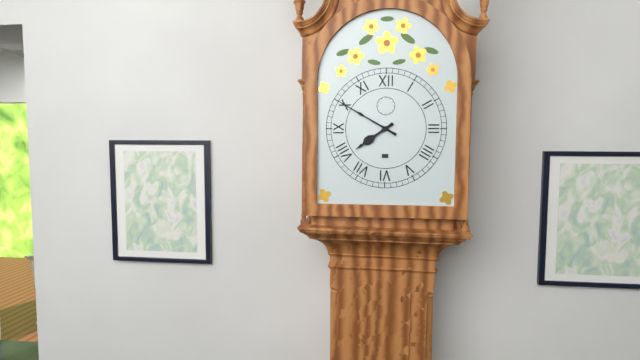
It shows 7.50
